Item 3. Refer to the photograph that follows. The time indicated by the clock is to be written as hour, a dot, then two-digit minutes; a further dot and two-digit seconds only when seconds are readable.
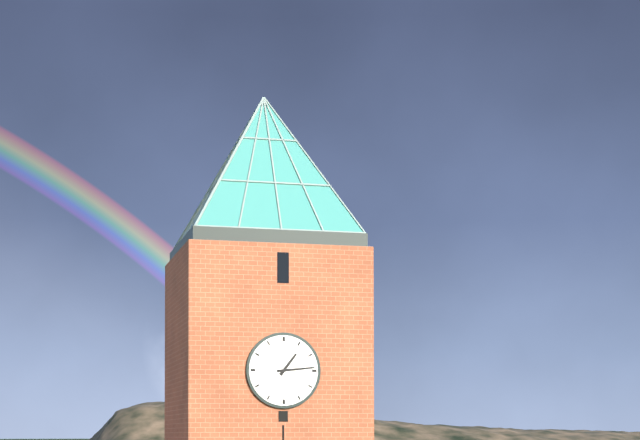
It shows 1.14
